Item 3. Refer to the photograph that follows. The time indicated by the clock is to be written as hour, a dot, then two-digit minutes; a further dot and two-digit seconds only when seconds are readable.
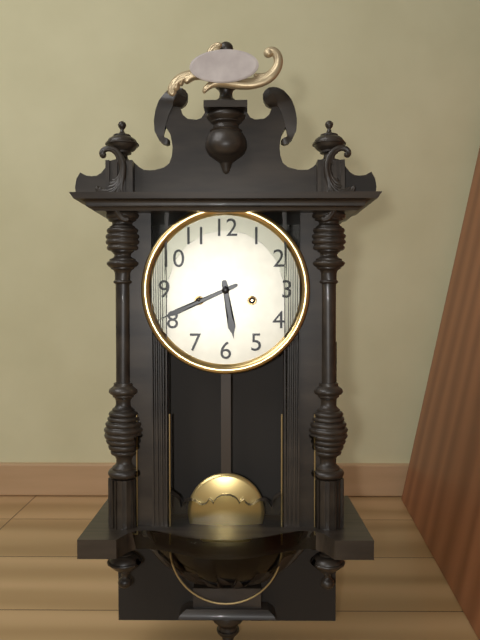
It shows 5.41
